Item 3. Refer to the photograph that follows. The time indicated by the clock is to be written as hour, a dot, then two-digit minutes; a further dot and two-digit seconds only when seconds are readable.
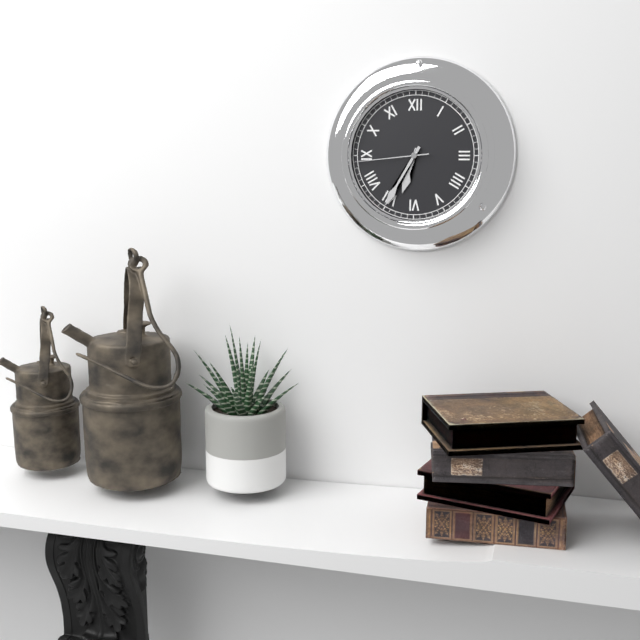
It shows 6.35.44
